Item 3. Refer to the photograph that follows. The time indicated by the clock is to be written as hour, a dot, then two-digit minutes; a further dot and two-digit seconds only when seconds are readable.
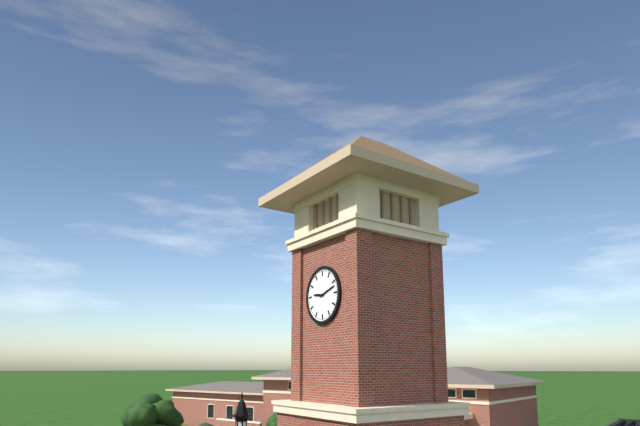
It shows 9.12
